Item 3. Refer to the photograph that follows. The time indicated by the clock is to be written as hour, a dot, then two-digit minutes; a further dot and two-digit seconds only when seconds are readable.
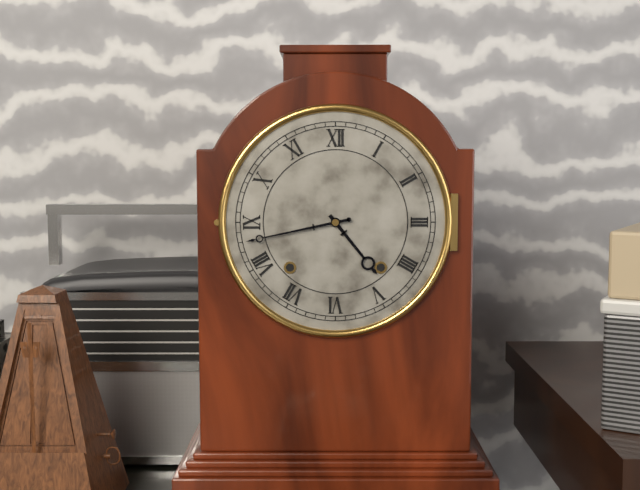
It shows 4.43
